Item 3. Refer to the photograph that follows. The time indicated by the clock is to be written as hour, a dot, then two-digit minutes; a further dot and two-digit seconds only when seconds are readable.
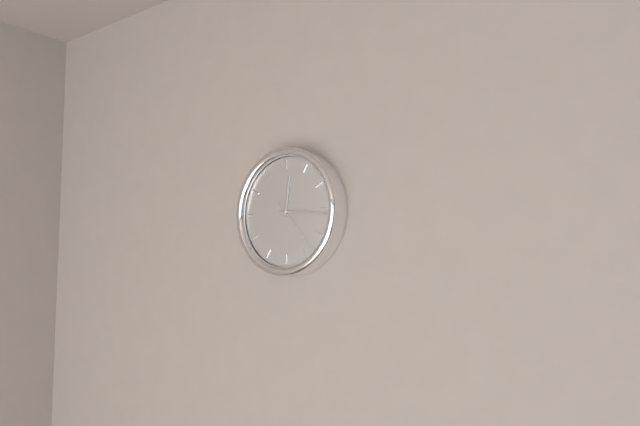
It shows 12.16
